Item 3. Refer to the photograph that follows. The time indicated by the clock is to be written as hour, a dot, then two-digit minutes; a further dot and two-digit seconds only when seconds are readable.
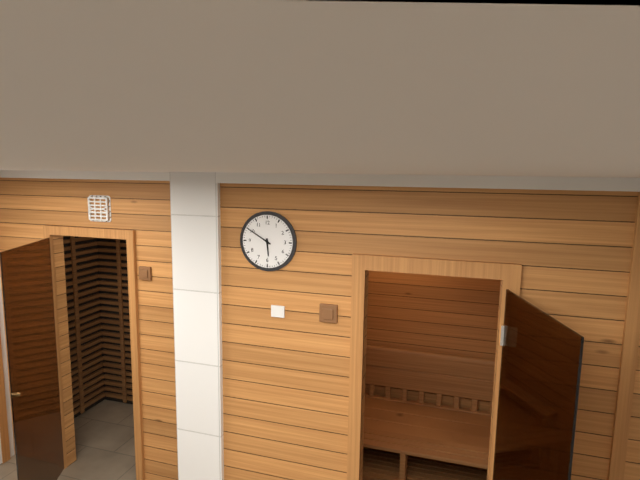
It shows 5.50
